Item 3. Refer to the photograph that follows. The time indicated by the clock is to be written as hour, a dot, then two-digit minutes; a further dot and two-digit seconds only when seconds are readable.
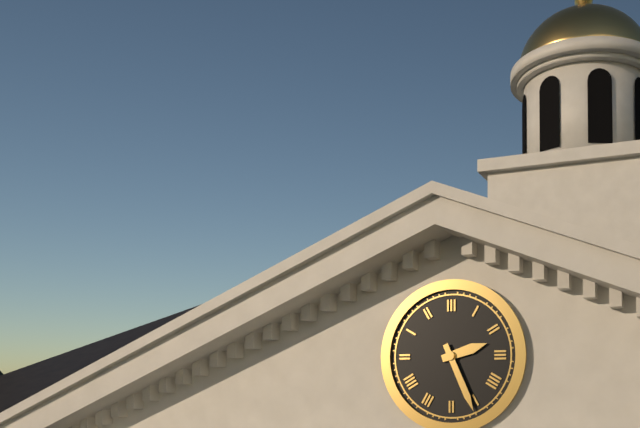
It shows 2.26
